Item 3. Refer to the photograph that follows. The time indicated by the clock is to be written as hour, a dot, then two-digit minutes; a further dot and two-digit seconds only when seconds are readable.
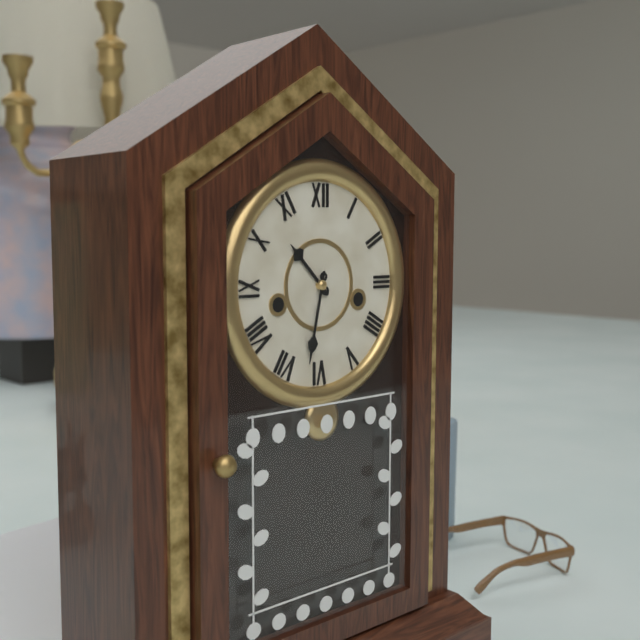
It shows 10.32
